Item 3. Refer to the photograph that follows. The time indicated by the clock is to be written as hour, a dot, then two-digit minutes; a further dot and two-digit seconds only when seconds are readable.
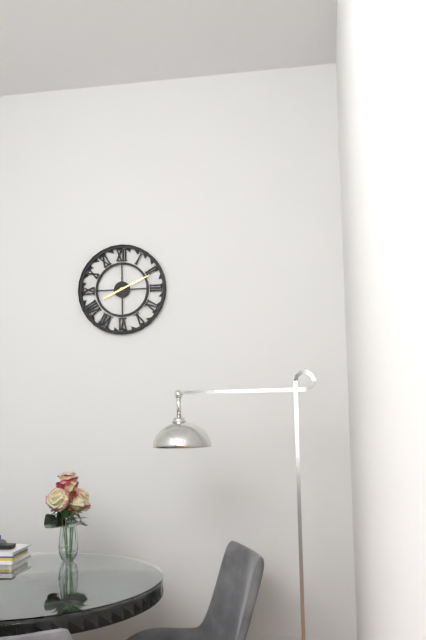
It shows 8.11
